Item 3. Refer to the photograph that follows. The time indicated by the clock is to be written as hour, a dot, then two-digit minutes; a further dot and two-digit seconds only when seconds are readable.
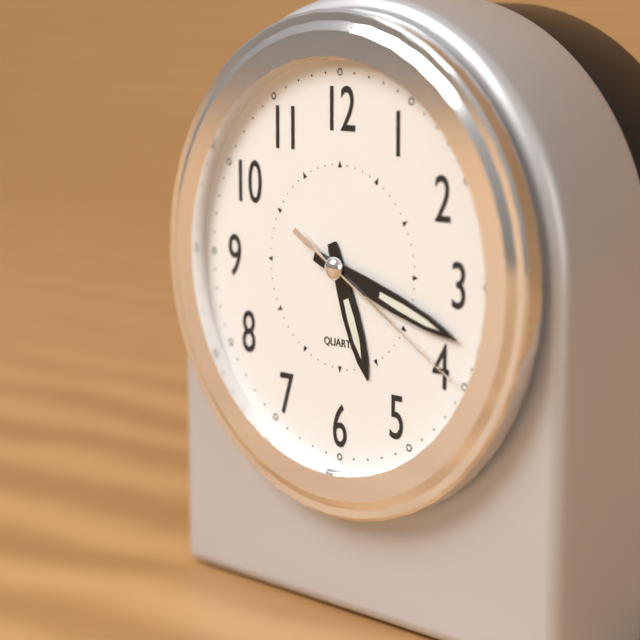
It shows 5.18.20
